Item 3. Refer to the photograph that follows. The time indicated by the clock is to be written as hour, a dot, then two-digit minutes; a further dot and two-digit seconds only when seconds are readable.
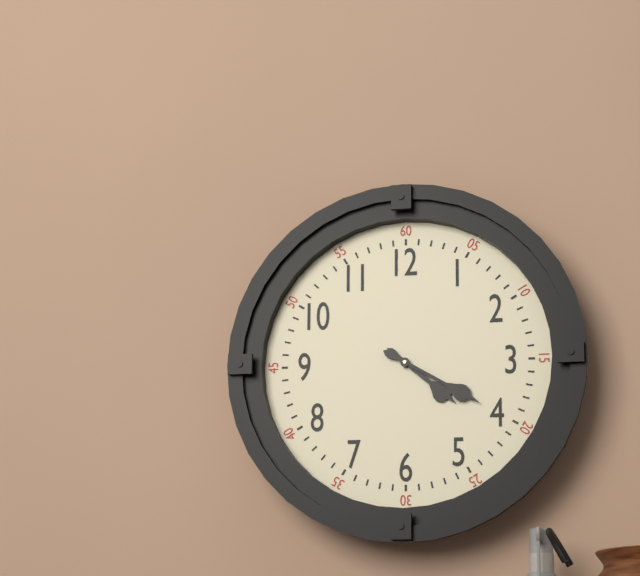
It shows 4.20
